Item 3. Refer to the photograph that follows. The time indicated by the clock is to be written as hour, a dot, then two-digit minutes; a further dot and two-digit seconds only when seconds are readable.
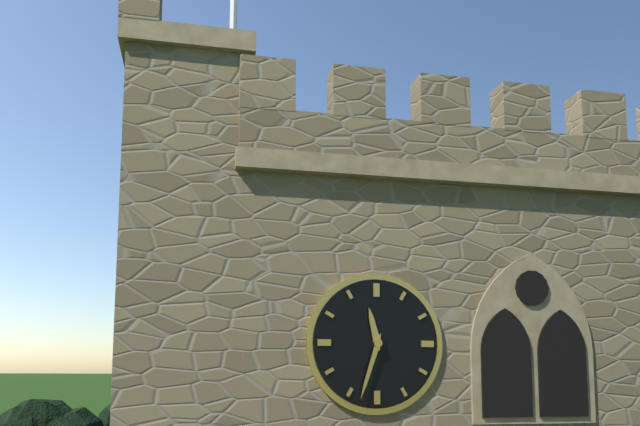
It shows 11.33
